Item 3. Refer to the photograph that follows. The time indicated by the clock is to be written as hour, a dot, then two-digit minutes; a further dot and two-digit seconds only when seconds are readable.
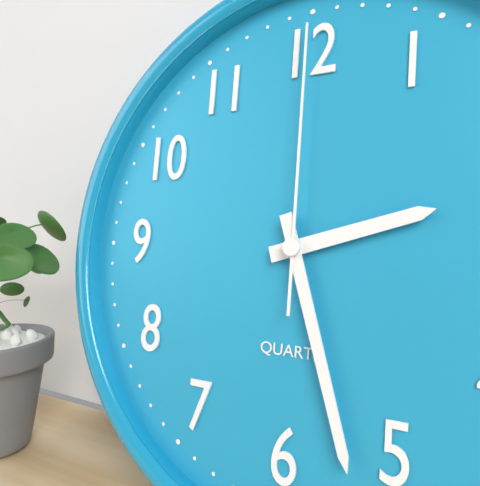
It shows 2.27.00
